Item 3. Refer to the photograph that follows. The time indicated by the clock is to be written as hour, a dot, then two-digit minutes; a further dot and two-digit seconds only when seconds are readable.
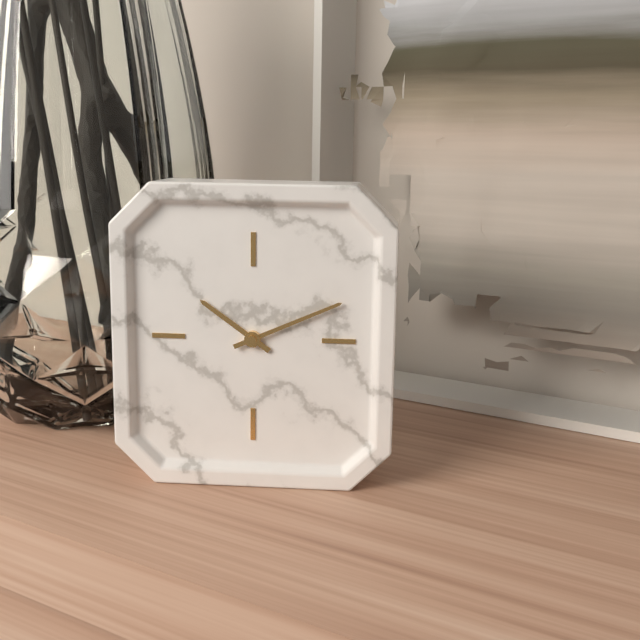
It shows 10.11
